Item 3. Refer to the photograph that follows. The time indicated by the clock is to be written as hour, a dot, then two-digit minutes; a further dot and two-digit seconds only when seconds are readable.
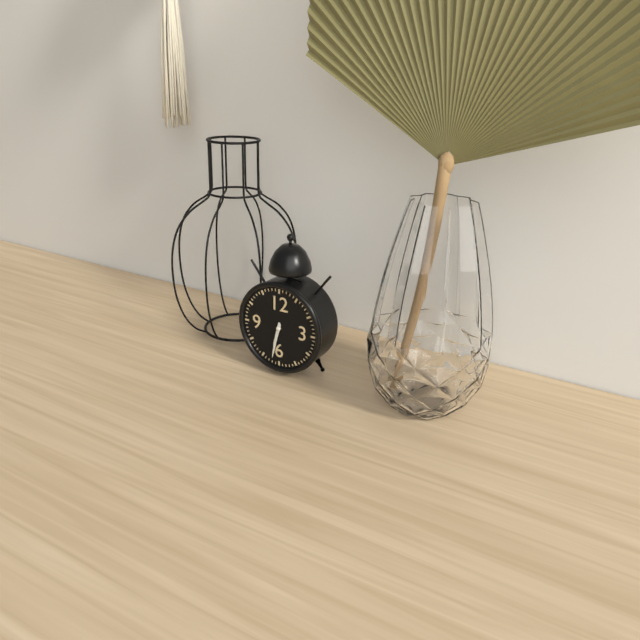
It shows 6.32
